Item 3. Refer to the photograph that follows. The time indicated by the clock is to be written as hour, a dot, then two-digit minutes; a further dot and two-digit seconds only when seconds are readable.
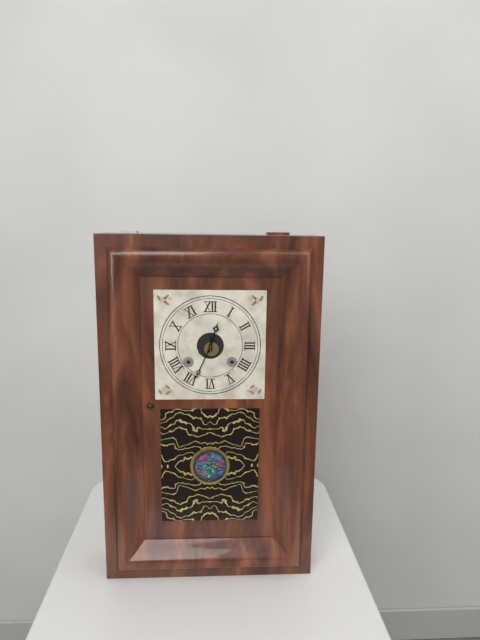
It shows 12.34
